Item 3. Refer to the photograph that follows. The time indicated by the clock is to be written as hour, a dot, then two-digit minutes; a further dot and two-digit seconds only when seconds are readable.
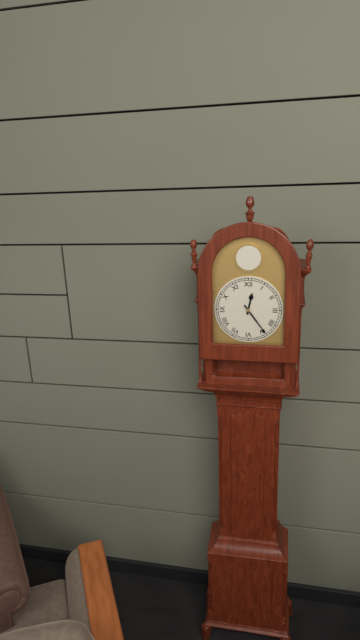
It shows 12.24
